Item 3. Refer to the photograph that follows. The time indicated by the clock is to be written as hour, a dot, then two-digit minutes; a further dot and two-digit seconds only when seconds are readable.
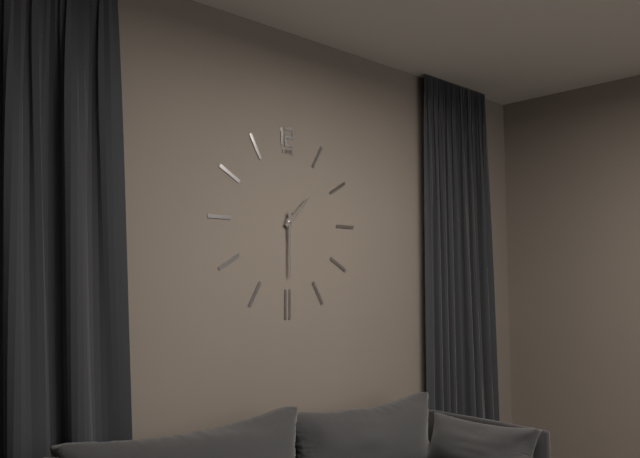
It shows 1.30
